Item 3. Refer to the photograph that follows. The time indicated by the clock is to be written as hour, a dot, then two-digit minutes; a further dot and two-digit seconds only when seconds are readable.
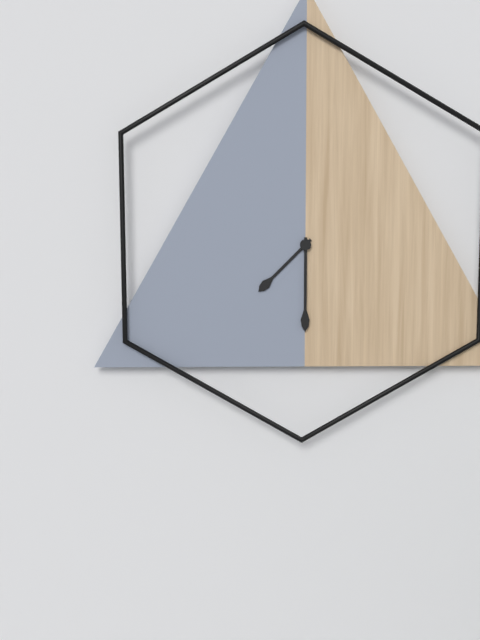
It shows 7.30
